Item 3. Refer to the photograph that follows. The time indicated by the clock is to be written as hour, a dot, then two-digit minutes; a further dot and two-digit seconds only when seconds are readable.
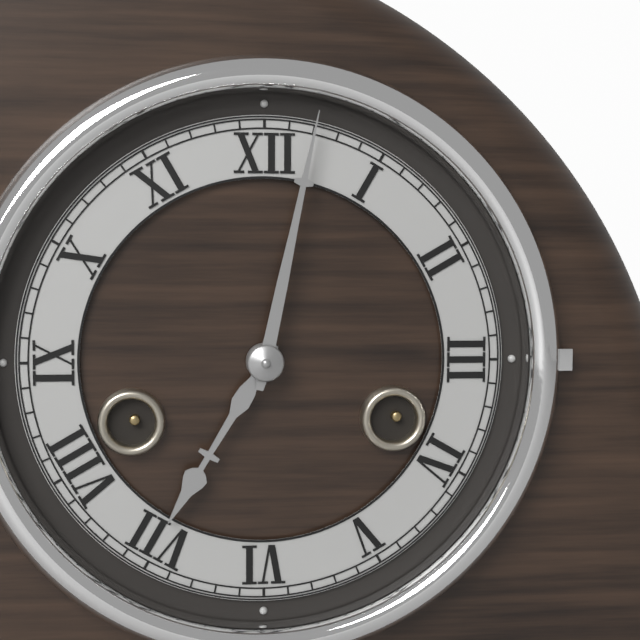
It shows 7.02
